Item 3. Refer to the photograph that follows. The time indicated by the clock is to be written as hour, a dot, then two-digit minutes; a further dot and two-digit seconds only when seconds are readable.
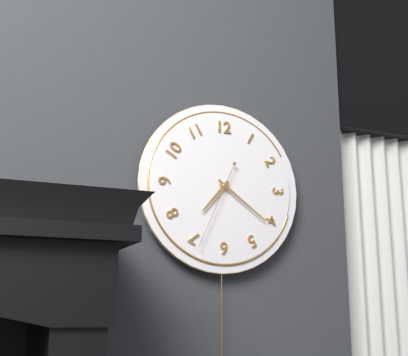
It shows 7.21.34
